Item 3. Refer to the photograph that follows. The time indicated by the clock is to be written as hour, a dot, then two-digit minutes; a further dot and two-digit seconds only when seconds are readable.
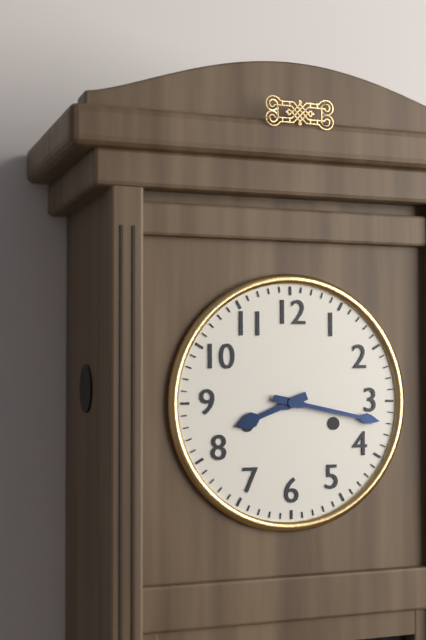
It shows 8.17
